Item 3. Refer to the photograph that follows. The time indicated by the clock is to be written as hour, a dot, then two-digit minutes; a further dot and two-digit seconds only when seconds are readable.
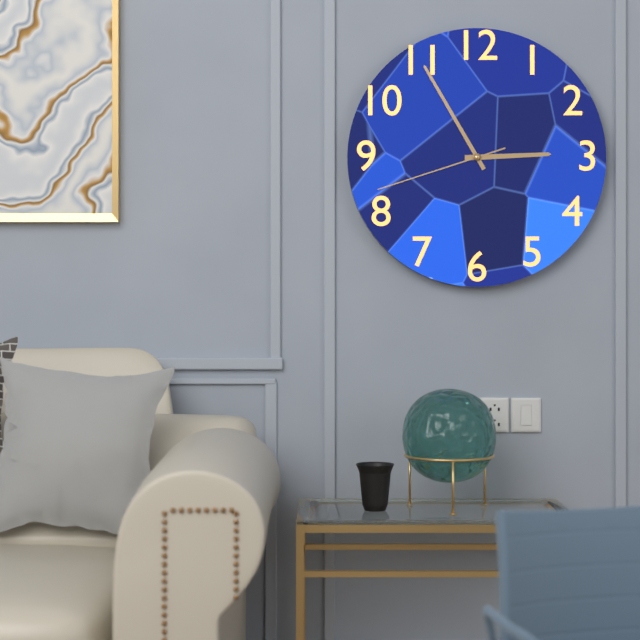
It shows 2.55.42
